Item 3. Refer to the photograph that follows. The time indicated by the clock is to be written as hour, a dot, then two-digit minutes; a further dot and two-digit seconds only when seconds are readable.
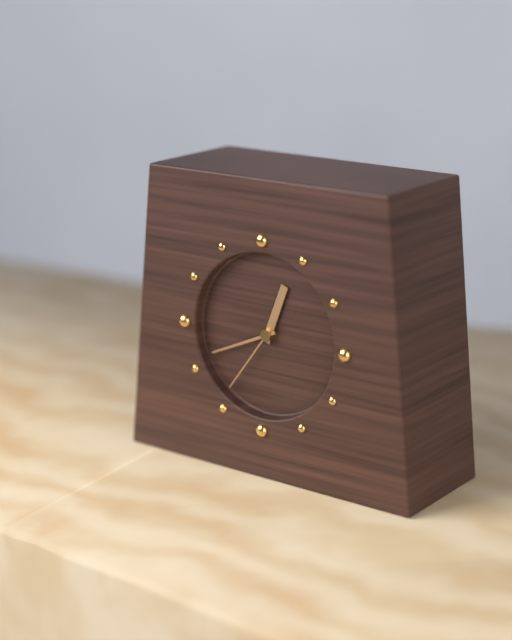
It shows 12.41.36
